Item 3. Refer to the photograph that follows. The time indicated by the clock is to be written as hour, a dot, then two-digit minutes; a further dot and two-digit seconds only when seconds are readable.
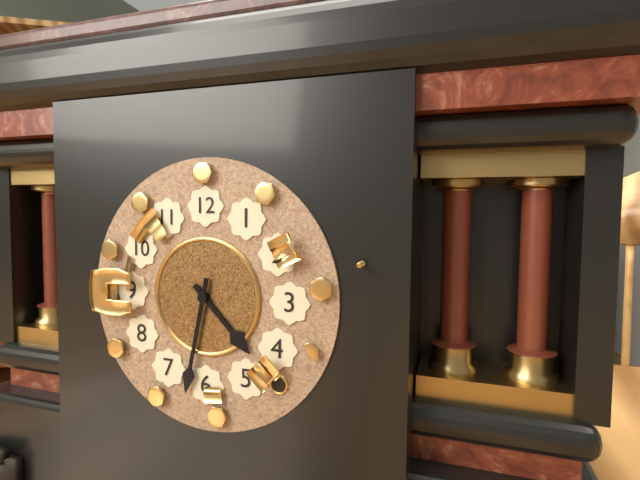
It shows 4.32
